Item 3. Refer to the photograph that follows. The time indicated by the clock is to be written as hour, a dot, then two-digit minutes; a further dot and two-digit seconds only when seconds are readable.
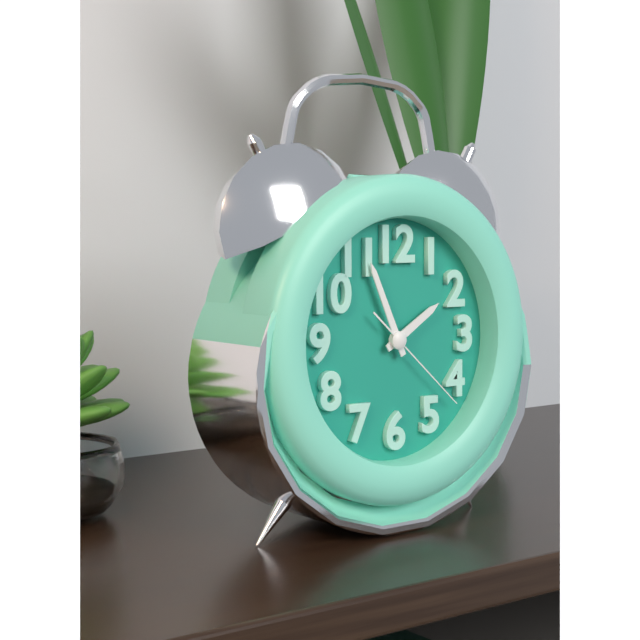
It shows 1.56.22
